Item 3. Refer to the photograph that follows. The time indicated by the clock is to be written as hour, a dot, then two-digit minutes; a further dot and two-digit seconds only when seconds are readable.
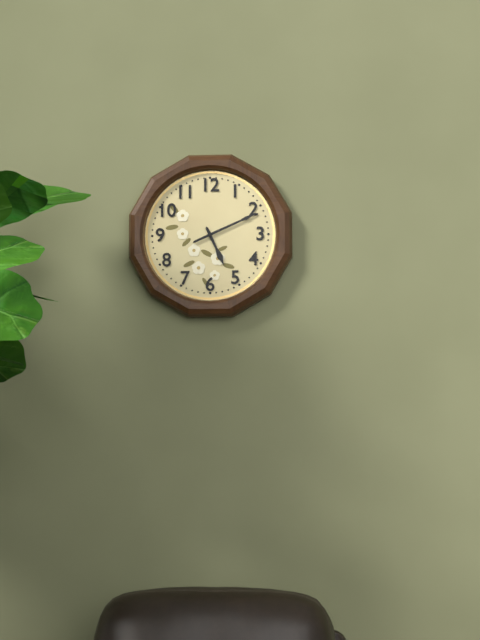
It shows 5.11
